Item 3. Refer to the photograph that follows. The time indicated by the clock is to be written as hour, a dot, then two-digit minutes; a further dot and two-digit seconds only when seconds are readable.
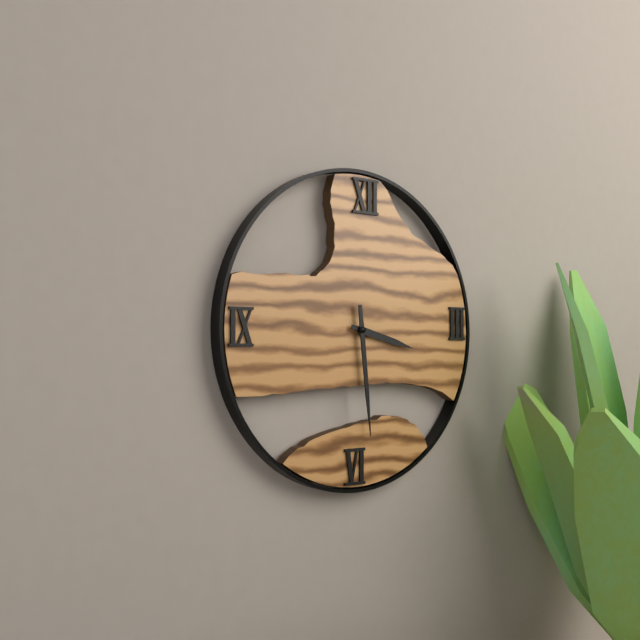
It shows 3.29
